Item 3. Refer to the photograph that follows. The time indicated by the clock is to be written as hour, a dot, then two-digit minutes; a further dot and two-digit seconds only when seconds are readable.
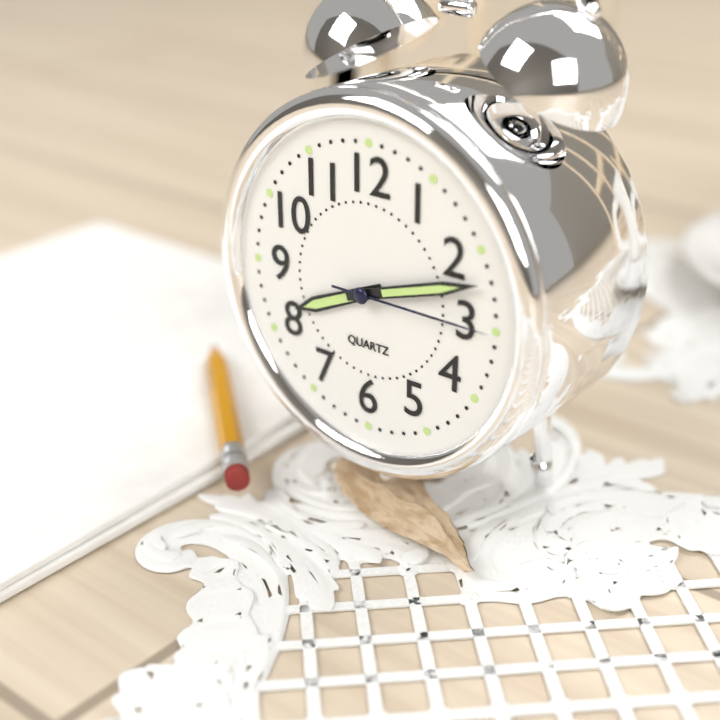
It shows 8.12.15
